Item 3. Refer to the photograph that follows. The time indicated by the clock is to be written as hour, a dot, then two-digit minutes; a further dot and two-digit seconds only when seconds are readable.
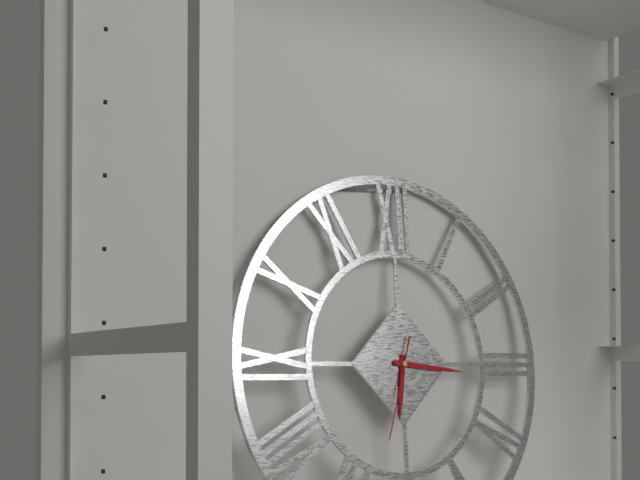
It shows 6.16.33
